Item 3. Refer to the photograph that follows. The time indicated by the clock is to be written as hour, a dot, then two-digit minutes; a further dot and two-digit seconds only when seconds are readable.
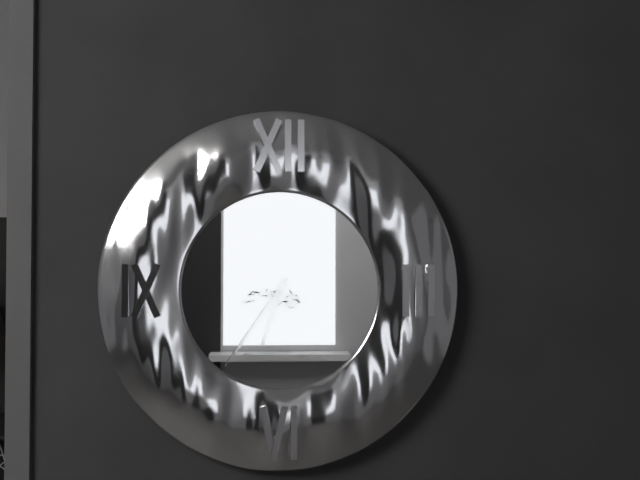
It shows 6.36
